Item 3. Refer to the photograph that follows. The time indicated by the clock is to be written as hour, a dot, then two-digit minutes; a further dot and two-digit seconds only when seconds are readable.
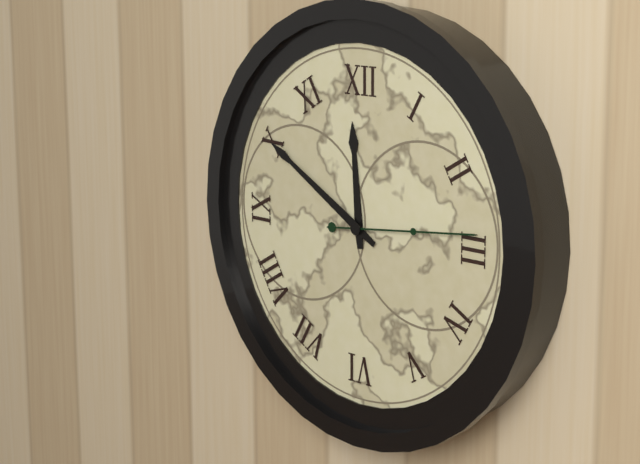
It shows 11.50.14
